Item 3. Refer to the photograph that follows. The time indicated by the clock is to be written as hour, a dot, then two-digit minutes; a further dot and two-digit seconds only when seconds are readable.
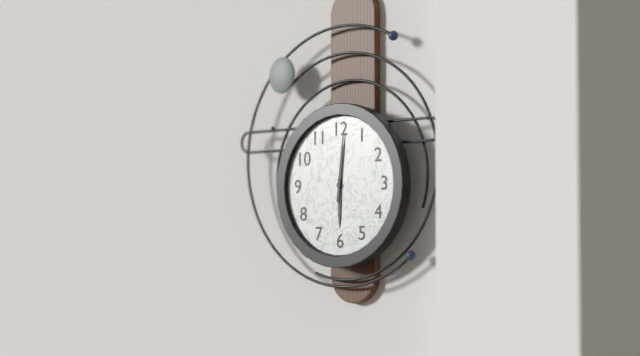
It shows 6.01
